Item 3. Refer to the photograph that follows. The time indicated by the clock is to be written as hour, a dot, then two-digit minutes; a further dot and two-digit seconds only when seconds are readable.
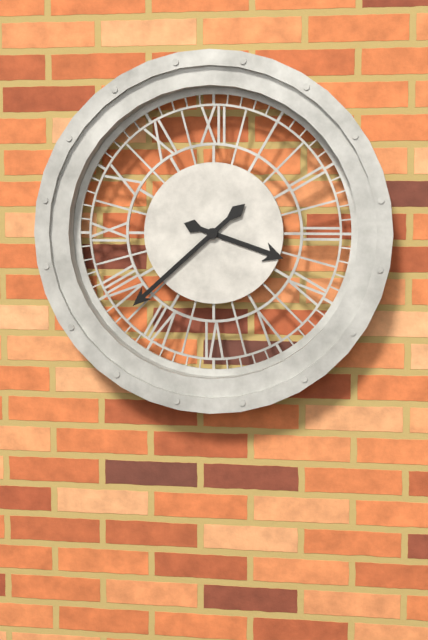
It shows 3.38
